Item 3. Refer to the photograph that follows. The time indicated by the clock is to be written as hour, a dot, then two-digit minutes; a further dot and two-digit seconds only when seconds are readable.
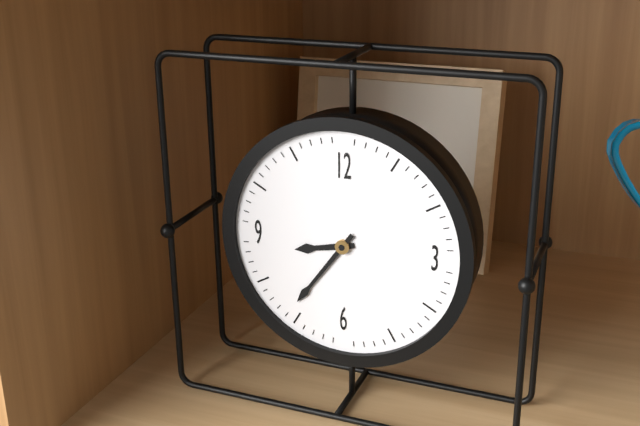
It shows 8.36
